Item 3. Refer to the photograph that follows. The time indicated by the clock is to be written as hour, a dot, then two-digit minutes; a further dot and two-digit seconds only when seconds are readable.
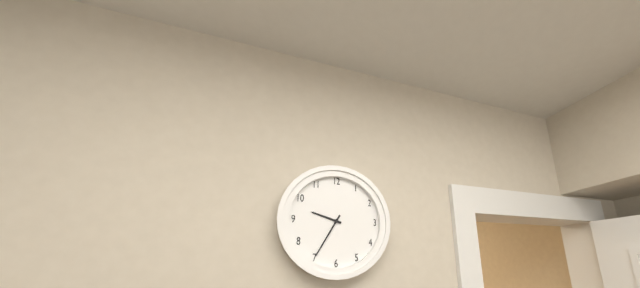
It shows 9.35
